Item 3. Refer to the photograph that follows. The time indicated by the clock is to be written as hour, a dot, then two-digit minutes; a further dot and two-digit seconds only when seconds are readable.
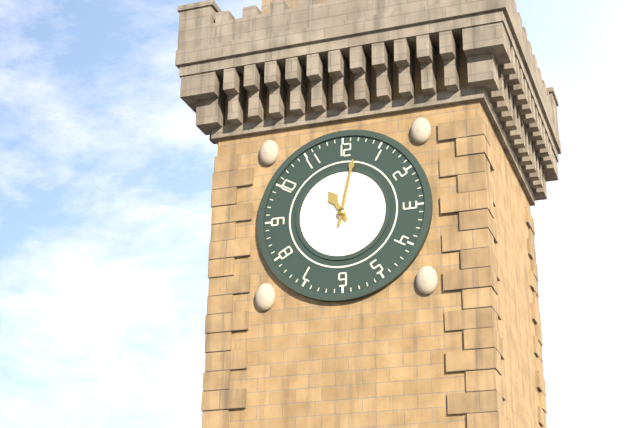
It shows 11.02
